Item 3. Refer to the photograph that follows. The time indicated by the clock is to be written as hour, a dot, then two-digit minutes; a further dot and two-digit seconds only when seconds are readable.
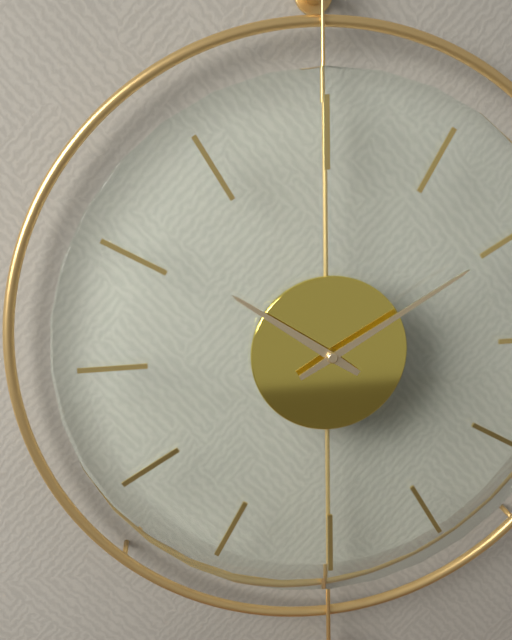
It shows 10.10
